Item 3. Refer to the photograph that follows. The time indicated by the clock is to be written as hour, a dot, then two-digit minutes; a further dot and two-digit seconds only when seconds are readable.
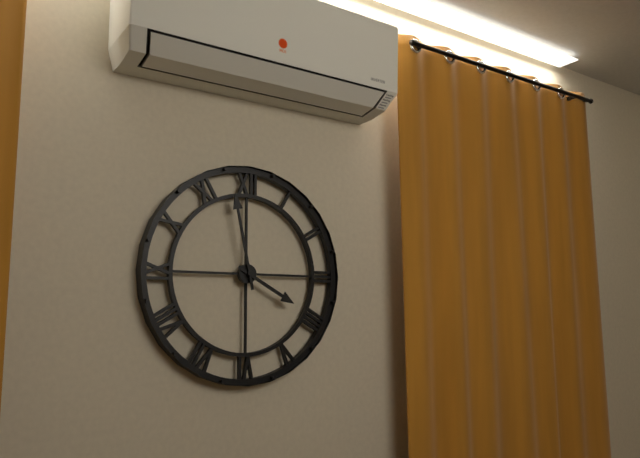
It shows 3.58
